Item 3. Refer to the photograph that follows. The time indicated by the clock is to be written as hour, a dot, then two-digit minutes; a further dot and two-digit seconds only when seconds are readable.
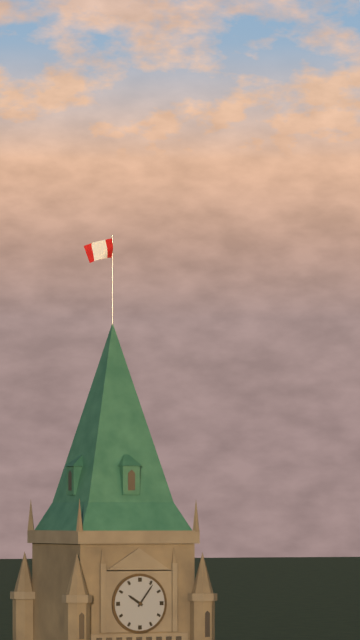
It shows 10.06
